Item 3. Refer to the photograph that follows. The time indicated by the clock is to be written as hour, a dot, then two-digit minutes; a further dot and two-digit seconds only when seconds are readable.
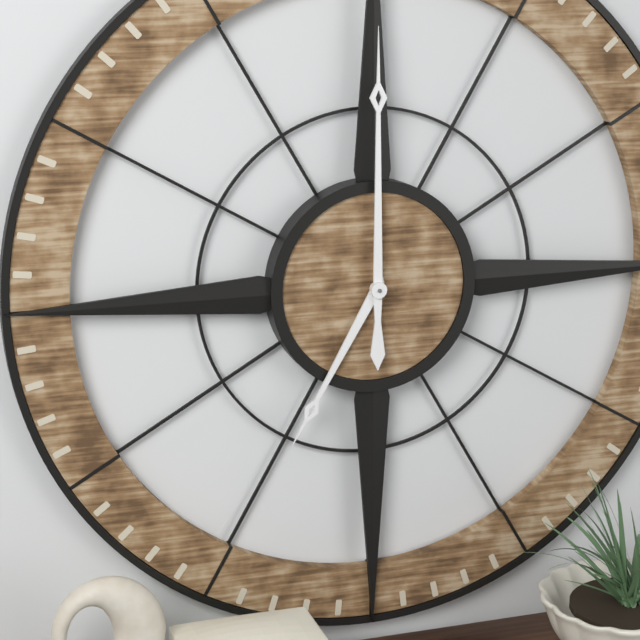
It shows 7.00
